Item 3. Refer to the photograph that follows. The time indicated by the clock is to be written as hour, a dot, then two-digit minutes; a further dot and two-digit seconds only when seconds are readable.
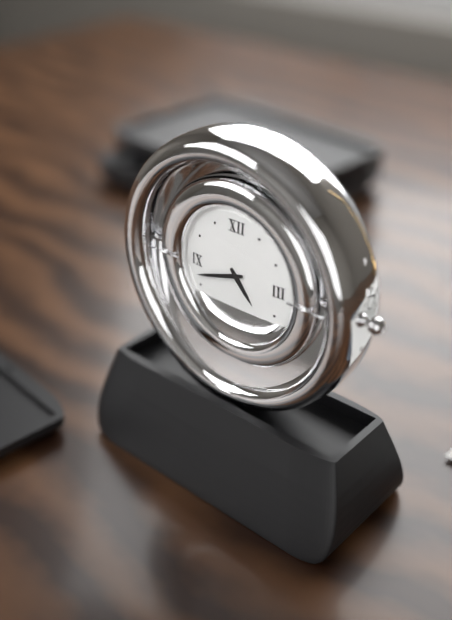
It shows 4.42
